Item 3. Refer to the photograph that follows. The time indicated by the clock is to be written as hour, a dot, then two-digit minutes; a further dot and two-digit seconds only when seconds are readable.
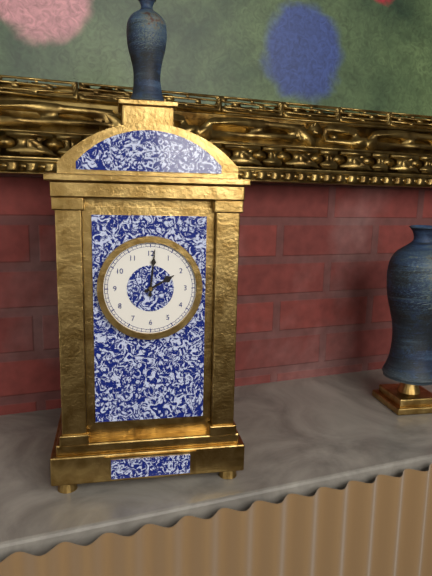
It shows 2.01
